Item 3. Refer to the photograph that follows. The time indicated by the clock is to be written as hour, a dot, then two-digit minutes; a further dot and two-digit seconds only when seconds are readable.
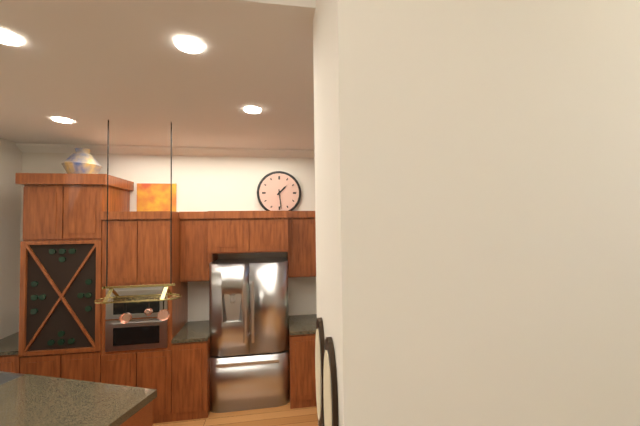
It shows 1.29
